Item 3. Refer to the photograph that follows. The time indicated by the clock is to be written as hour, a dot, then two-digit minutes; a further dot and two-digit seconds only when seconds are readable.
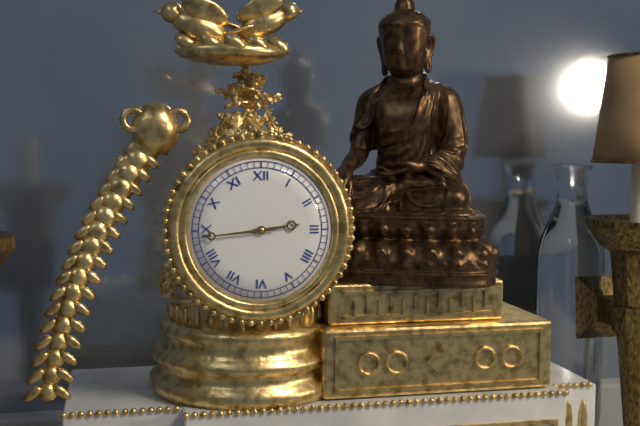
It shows 2.44
